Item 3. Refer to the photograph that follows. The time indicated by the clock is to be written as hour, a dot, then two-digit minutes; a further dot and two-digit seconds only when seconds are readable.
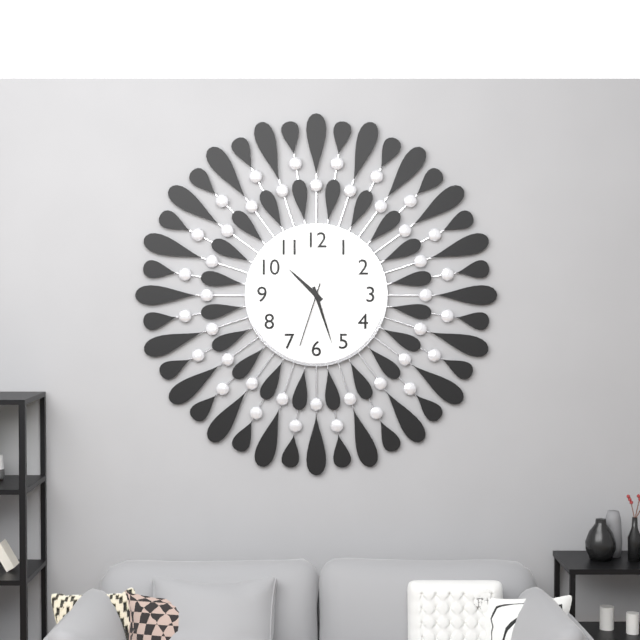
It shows 10.27.33
